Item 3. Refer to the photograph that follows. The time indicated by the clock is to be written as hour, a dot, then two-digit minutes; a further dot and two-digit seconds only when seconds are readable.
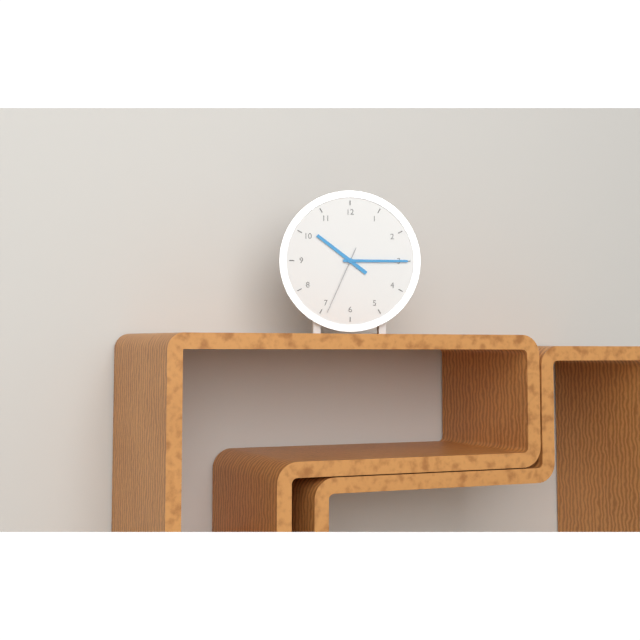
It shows 10.15.34
